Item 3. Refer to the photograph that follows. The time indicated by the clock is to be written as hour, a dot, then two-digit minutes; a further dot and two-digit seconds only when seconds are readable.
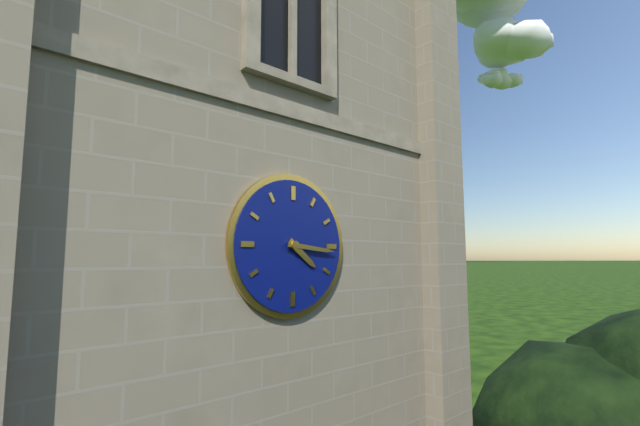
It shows 4.16
